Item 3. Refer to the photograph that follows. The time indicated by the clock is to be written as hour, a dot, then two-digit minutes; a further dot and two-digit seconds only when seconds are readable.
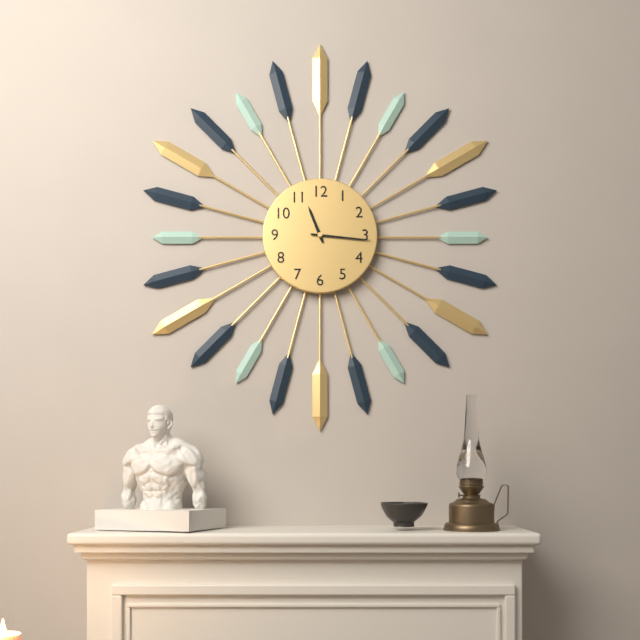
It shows 11.16
